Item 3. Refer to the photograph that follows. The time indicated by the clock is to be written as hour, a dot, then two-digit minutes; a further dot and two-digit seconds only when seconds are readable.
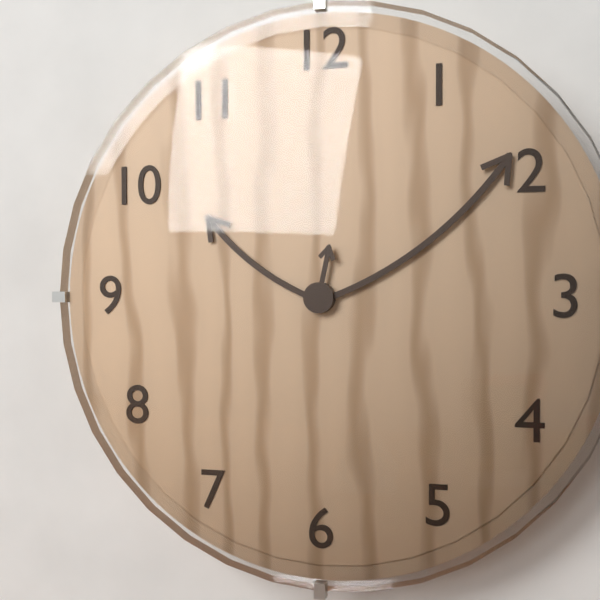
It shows 10.09.02
